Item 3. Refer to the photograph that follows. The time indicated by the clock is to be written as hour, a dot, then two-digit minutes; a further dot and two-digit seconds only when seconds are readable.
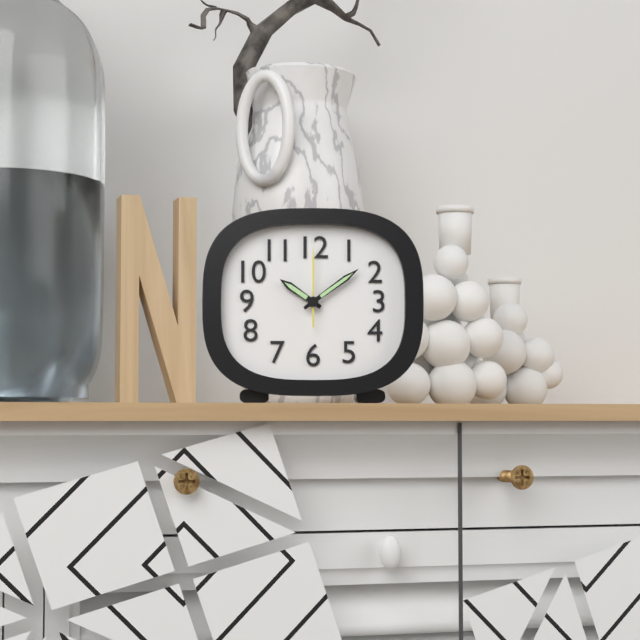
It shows 10.09.00
